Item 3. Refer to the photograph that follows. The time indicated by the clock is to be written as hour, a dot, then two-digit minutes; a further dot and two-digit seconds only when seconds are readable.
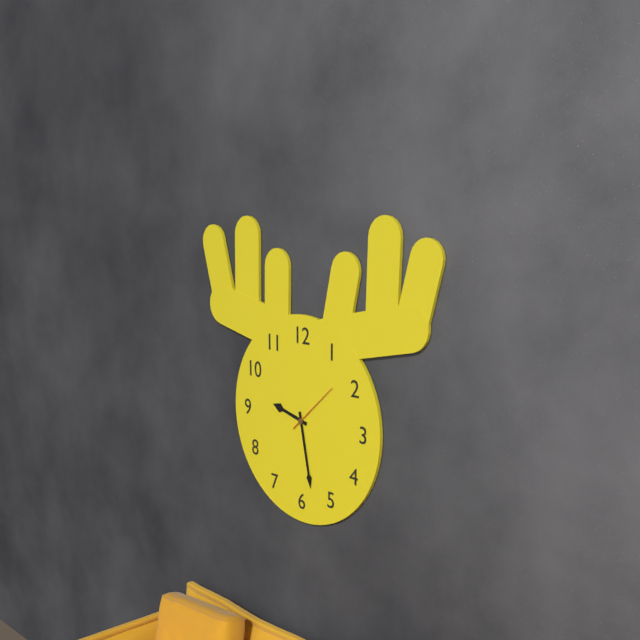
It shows 9.28.08
